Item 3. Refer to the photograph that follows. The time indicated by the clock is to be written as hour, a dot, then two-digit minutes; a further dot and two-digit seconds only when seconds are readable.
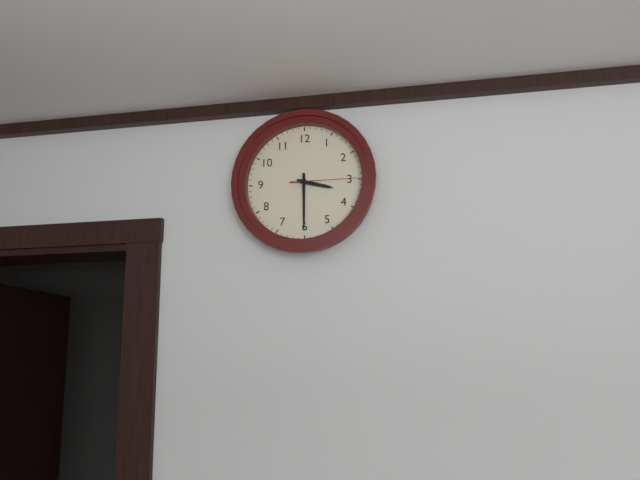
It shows 3.30.15
